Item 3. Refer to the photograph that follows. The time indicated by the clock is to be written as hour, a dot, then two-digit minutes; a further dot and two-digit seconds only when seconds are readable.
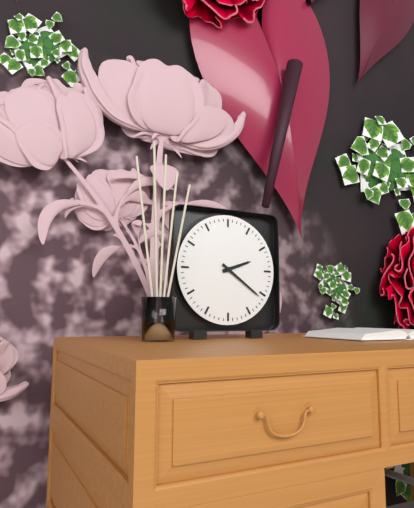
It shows 2.21
